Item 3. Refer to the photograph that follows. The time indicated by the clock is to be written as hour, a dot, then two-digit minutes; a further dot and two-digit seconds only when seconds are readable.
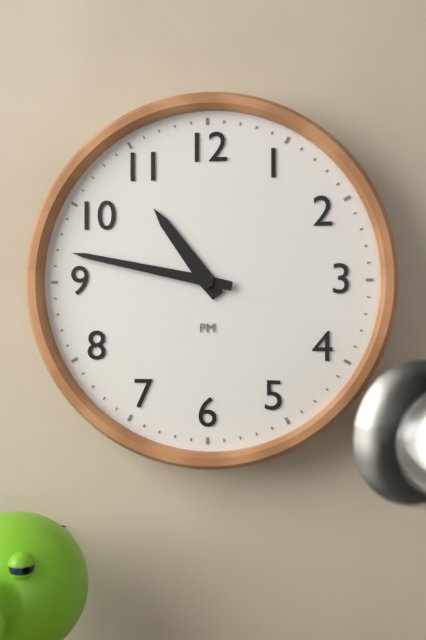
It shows 10.47
